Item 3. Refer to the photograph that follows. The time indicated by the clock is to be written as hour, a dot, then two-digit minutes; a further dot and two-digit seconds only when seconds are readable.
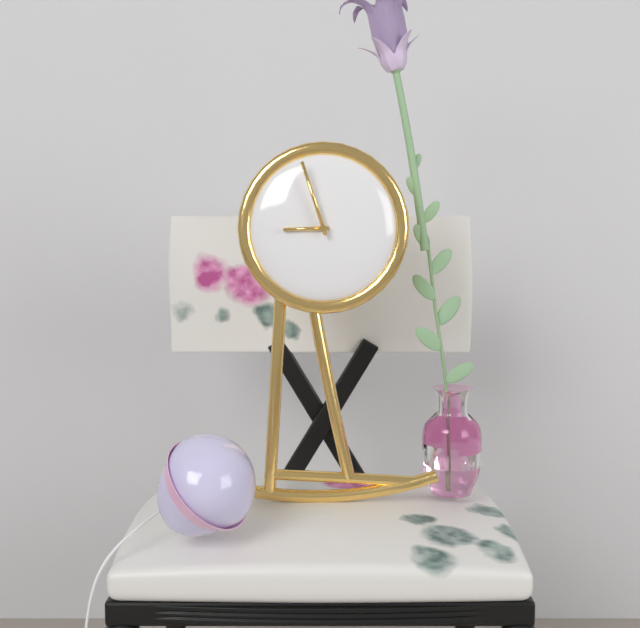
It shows 8.57
